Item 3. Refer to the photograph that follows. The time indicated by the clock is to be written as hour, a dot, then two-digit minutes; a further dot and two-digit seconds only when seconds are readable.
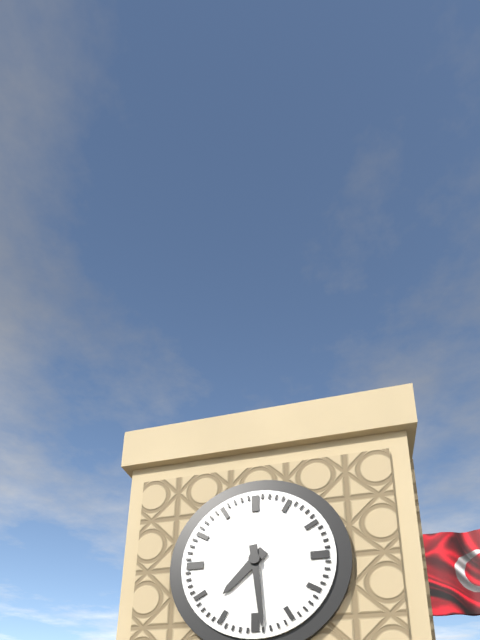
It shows 7.29
